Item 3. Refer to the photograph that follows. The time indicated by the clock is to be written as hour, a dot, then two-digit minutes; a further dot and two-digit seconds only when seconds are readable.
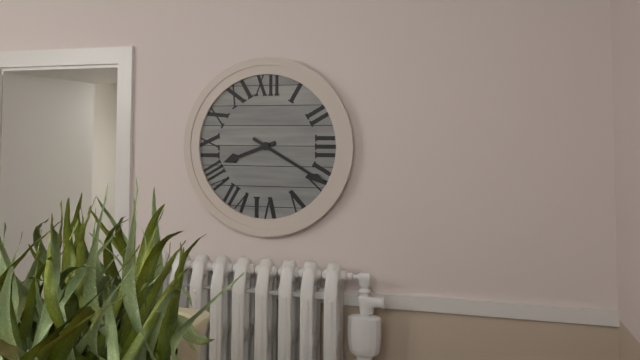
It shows 8.20
